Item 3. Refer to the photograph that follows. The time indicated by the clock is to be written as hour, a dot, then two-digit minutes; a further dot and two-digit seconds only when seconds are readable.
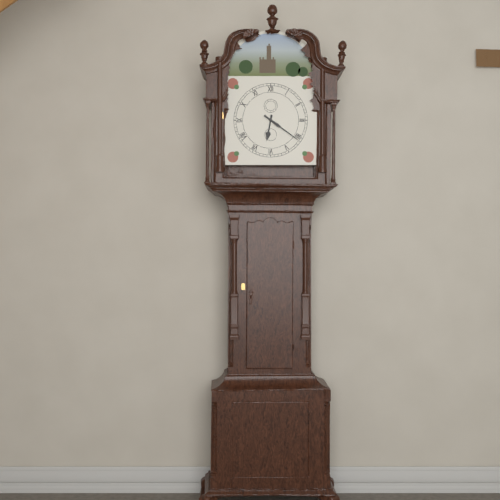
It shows 6.21
